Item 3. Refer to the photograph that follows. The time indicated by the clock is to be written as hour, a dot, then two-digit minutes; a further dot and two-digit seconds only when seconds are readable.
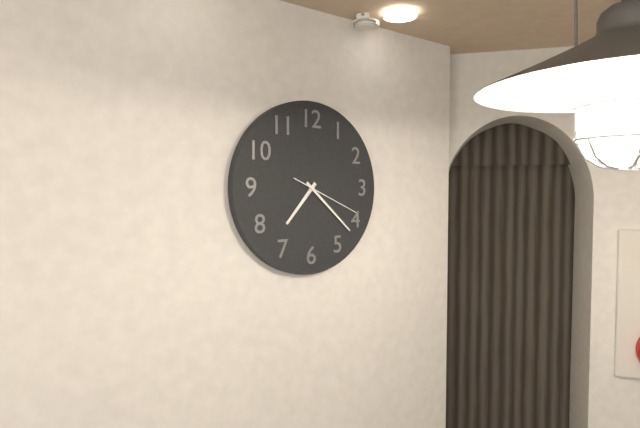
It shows 7.22.19
